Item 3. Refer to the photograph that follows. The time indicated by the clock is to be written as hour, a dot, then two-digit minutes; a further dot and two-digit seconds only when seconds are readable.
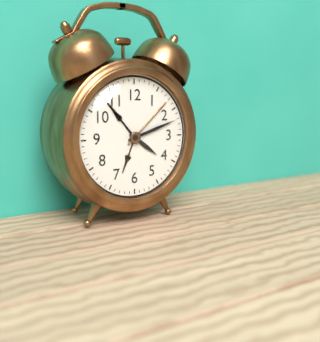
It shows 4.12
